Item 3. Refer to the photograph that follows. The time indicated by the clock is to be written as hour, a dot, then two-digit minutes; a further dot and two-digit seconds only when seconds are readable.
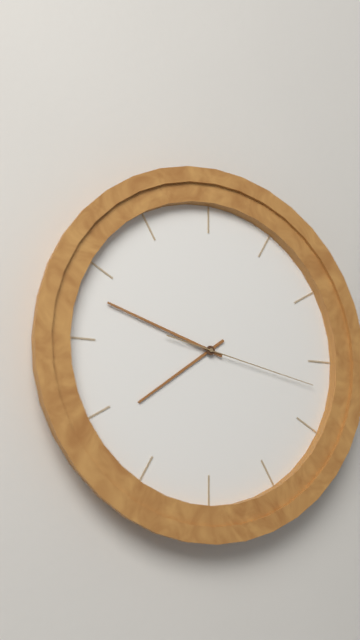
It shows 7.48.17
